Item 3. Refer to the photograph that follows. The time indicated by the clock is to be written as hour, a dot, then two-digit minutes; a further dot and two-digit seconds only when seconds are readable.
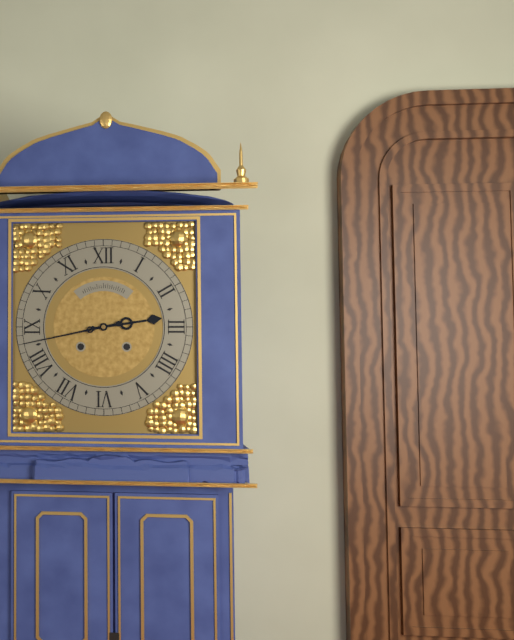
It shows 2.43
